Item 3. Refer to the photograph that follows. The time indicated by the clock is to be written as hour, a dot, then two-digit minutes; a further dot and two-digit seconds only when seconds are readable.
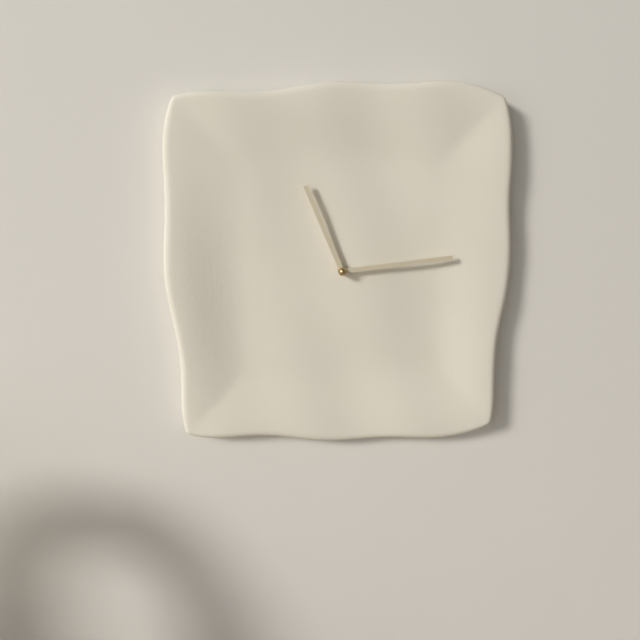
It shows 11.14
